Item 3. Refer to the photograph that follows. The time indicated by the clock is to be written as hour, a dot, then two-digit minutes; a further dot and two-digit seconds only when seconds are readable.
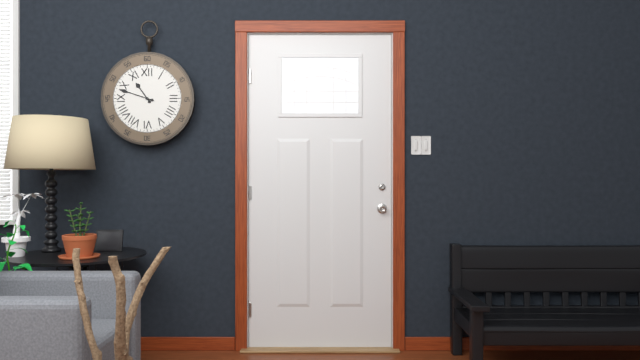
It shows 10.48
